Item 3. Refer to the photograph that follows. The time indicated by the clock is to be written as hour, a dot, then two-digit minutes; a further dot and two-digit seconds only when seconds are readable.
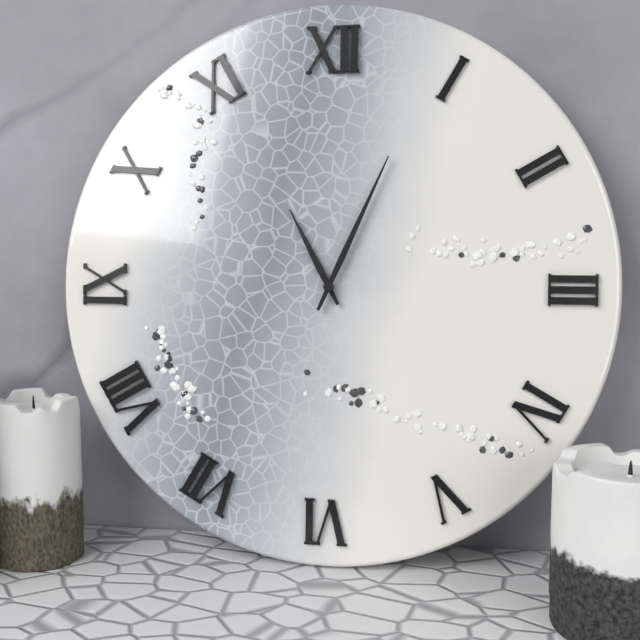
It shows 11.04
